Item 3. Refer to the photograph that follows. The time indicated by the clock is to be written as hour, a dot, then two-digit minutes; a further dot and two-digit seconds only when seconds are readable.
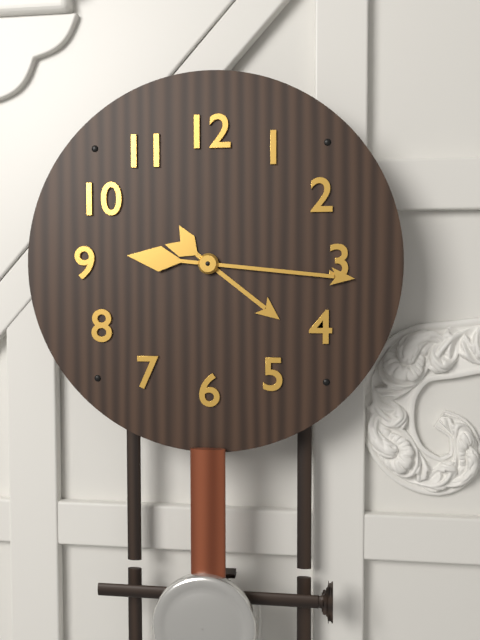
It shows 4.16
